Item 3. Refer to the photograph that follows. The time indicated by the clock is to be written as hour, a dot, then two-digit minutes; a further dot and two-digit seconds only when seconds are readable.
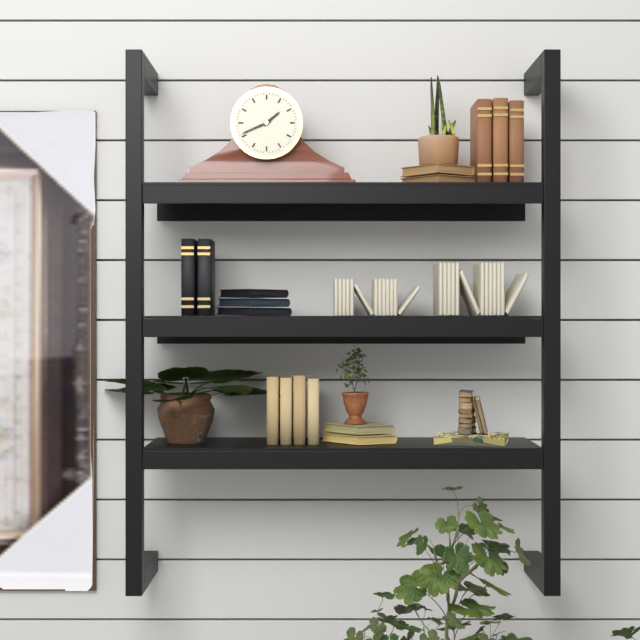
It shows 1.41
